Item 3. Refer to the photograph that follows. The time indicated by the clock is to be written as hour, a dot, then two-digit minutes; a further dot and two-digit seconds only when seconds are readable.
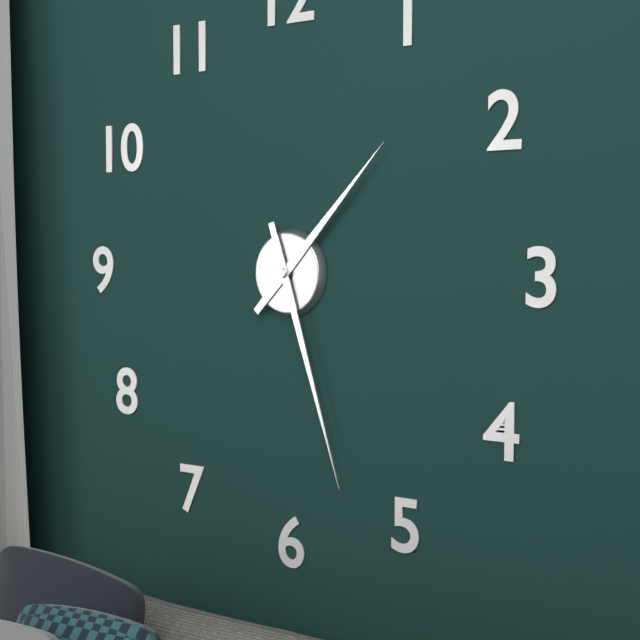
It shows 1.27
